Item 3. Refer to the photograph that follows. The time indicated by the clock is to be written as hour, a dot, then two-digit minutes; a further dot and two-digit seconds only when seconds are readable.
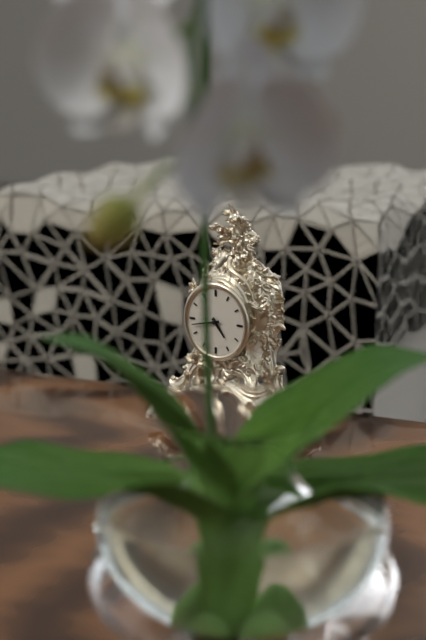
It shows 4.43
